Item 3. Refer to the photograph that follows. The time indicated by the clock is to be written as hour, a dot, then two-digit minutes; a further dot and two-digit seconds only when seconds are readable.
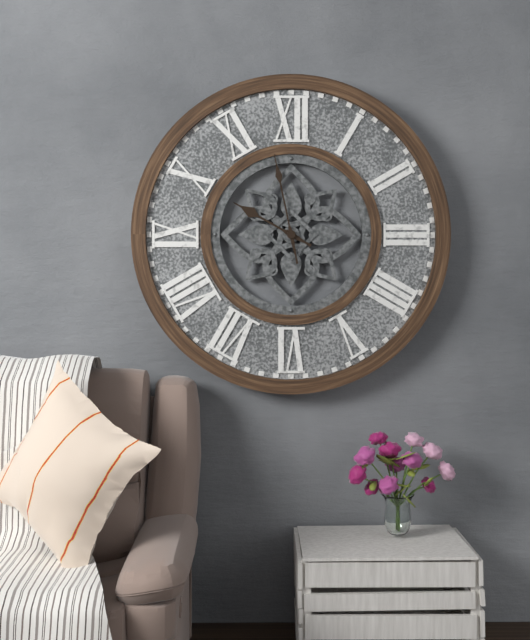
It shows 9.58
